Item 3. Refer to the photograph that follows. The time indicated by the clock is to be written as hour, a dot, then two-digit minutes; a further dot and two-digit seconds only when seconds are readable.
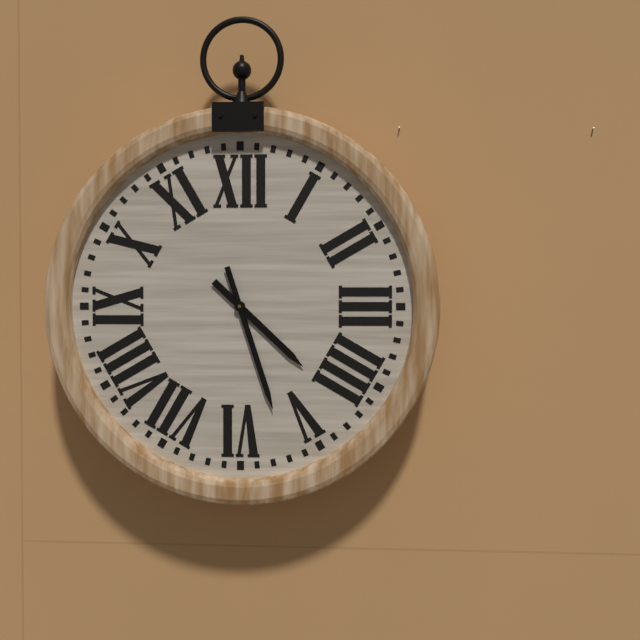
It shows 4.27
